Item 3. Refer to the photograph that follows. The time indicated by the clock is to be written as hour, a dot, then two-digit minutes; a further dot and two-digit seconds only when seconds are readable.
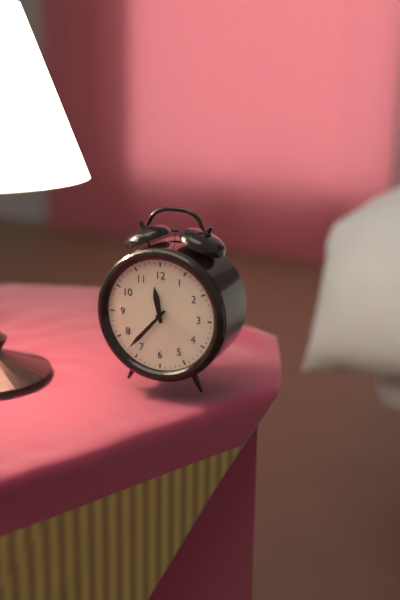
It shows 11.37
